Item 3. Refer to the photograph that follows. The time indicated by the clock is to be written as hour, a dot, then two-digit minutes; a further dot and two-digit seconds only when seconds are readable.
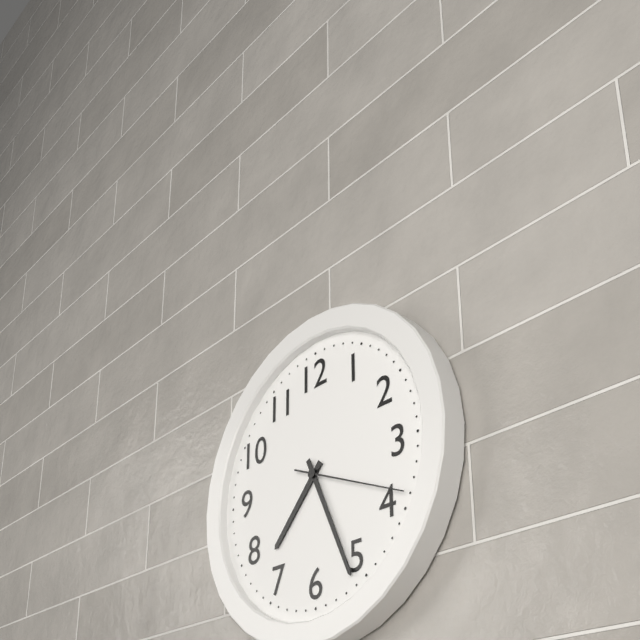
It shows 7.26.19
